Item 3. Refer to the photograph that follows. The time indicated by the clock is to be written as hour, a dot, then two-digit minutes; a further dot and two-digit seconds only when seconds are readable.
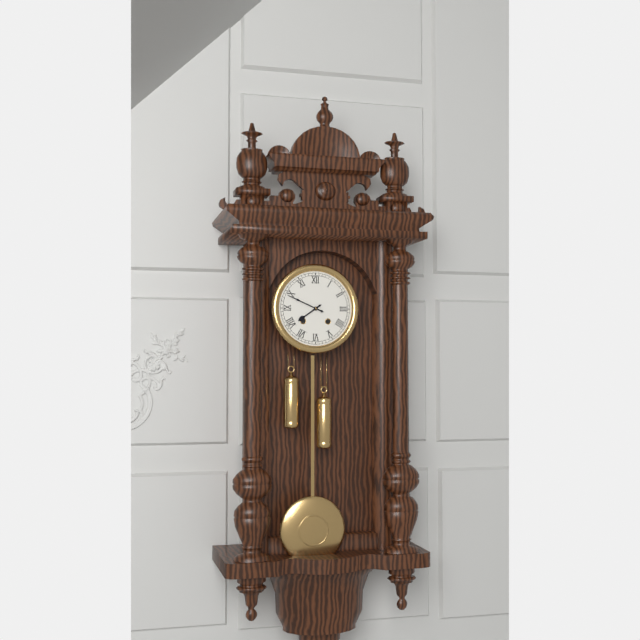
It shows 7.49
